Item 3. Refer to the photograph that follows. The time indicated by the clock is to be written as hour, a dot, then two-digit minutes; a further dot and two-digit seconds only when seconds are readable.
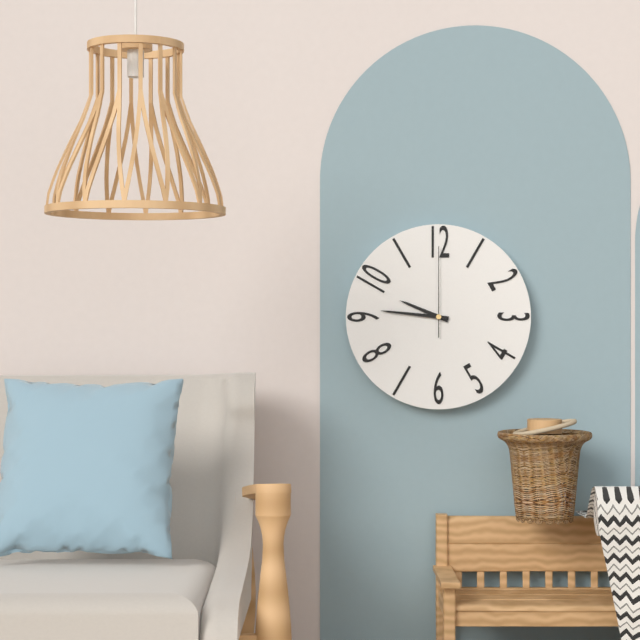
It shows 9.46.00
